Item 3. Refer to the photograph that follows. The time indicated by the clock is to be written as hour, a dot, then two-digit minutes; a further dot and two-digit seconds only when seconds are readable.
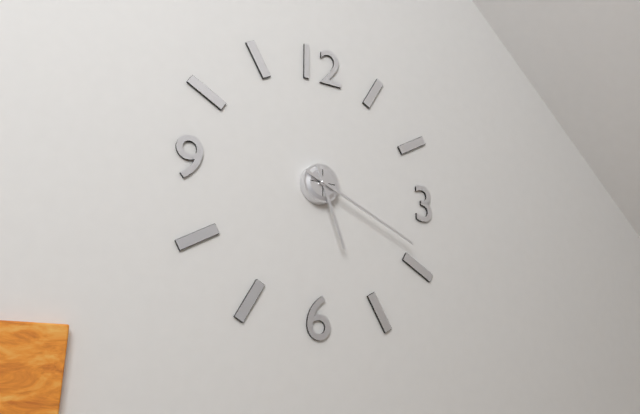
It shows 5.19
